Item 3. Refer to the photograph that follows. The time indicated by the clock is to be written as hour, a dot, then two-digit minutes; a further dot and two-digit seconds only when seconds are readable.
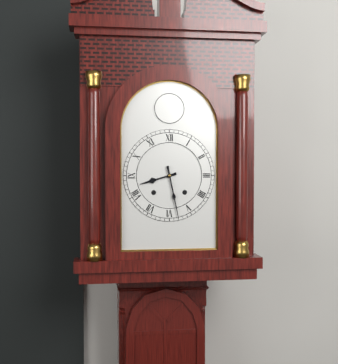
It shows 8.28
